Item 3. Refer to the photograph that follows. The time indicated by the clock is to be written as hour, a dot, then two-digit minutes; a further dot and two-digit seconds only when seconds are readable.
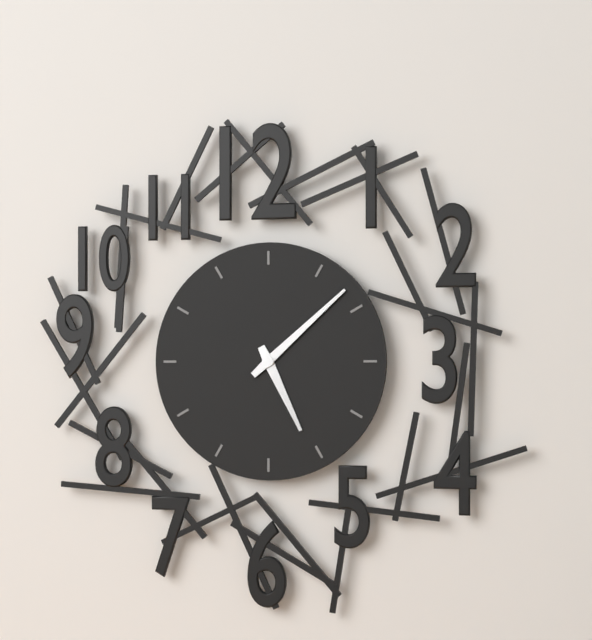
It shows 5.08
